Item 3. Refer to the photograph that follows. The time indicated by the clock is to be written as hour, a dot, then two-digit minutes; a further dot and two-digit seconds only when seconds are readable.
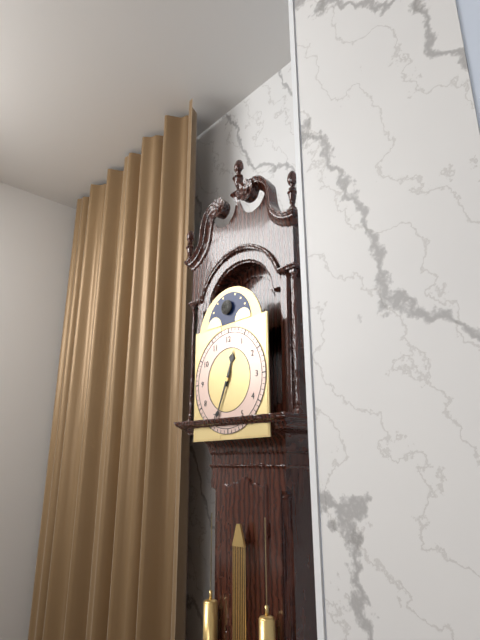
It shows 12.34
